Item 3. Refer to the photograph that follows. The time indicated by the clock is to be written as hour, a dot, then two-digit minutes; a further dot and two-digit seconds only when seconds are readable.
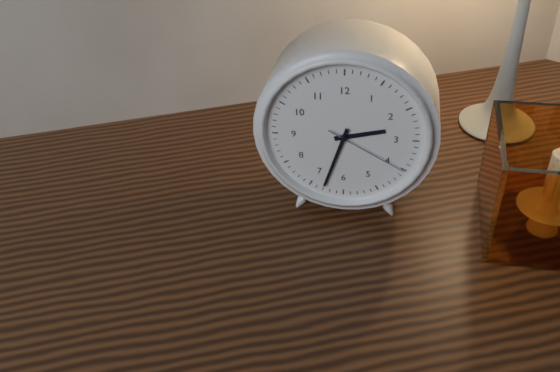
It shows 2.33.20
